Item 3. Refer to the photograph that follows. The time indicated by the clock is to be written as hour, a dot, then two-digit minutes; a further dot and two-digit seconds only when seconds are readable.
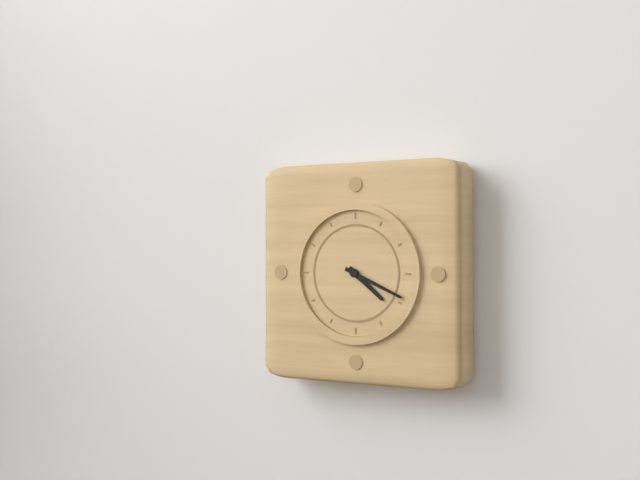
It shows 4.19
